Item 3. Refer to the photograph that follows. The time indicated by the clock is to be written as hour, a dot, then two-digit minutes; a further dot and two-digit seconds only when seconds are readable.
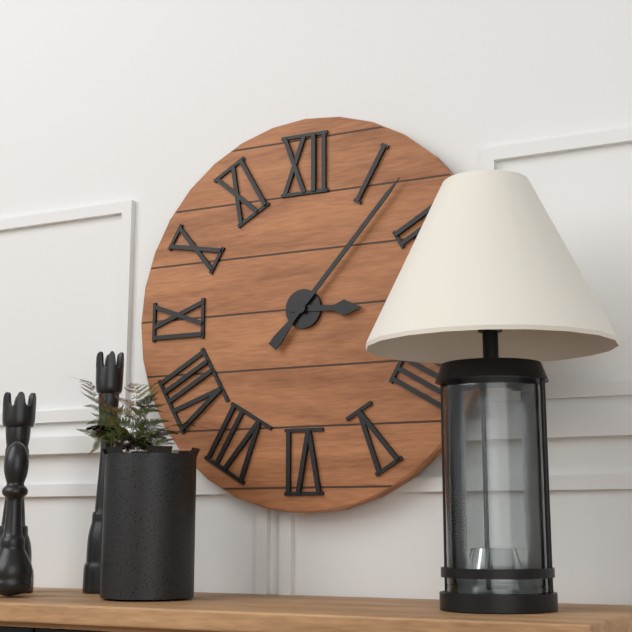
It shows 3.07
